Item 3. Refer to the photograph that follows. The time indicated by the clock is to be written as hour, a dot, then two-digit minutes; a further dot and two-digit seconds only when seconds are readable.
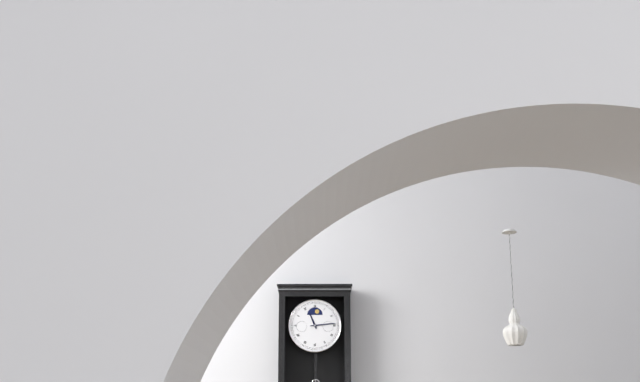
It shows 11.14
